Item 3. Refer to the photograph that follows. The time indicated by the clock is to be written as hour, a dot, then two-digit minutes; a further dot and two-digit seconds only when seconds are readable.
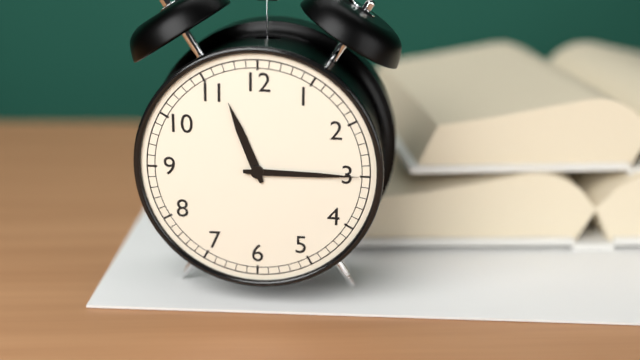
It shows 11.15
